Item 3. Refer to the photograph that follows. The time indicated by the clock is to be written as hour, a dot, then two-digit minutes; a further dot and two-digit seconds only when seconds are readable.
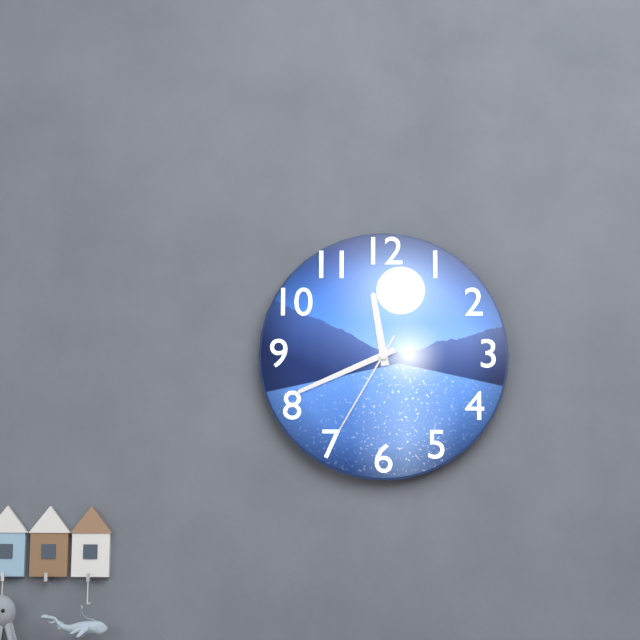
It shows 11.41.35
